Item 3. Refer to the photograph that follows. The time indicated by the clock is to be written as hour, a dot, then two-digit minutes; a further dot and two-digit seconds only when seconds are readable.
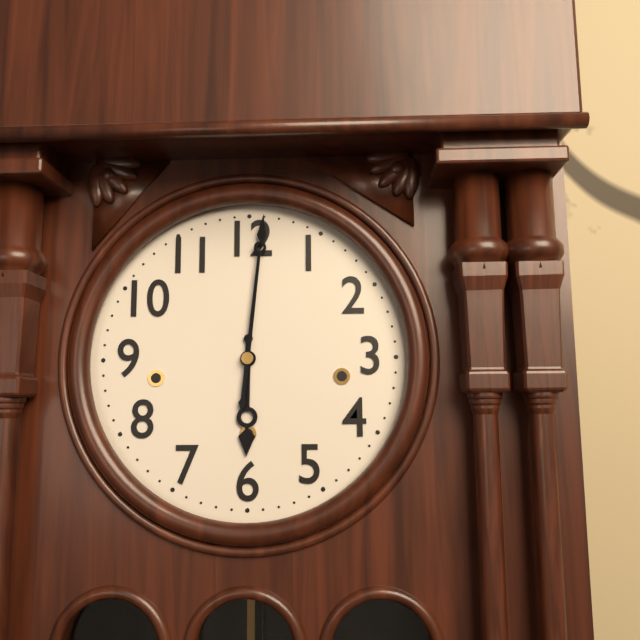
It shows 6.01
